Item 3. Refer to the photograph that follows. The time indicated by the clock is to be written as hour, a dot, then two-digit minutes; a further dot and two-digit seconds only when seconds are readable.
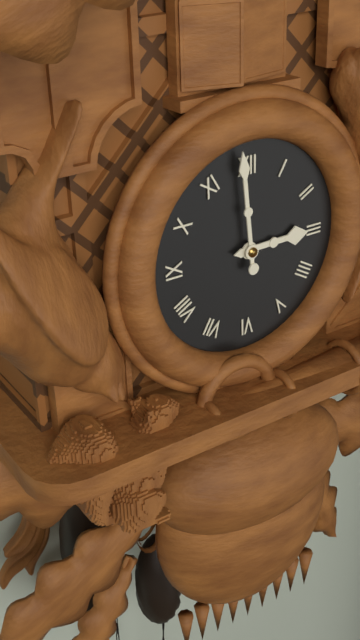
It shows 2.59
